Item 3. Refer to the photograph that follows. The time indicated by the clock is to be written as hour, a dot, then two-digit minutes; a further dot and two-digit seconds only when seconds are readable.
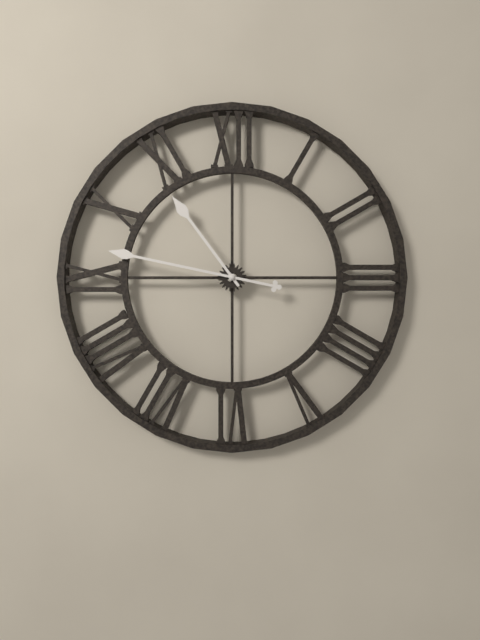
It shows 10.47
